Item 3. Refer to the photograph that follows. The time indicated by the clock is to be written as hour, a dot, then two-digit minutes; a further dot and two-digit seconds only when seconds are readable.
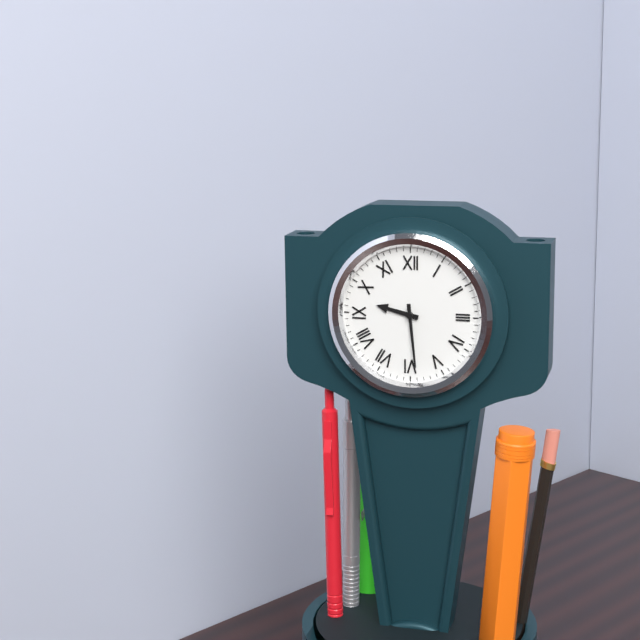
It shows 9.29
